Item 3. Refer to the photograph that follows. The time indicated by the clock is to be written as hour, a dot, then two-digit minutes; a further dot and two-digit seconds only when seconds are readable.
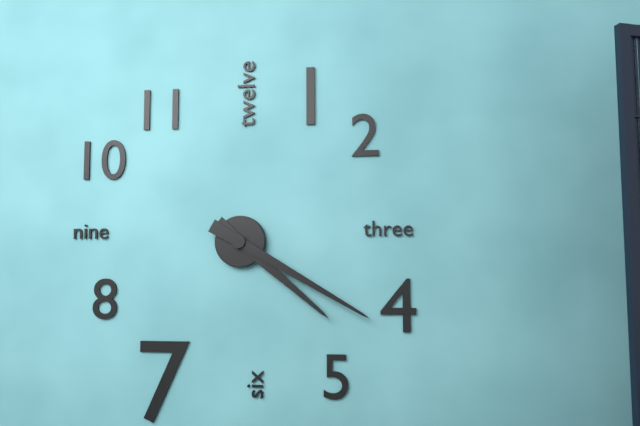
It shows 4.20
